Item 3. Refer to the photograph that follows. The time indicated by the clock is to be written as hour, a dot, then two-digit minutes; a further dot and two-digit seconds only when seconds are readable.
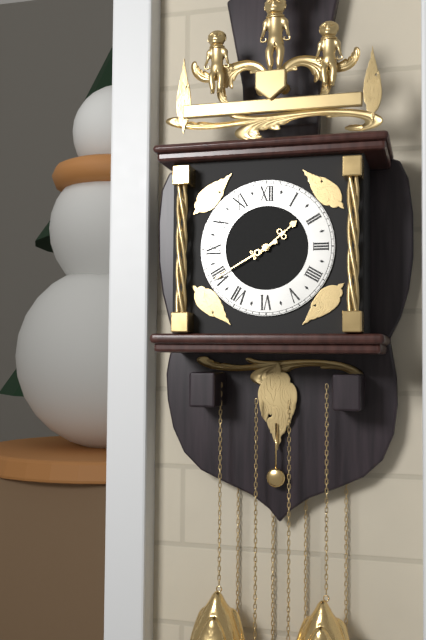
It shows 1.40
